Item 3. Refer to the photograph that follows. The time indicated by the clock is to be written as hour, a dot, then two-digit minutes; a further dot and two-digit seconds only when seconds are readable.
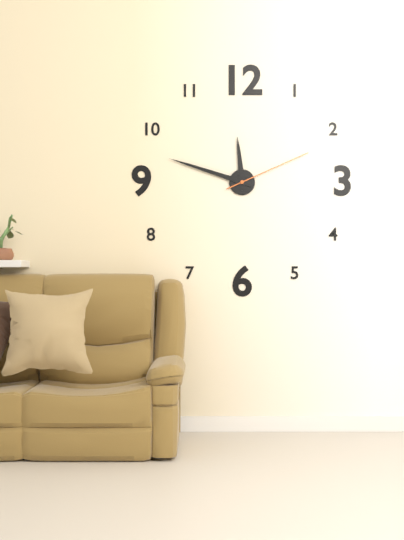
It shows 11.48.11
